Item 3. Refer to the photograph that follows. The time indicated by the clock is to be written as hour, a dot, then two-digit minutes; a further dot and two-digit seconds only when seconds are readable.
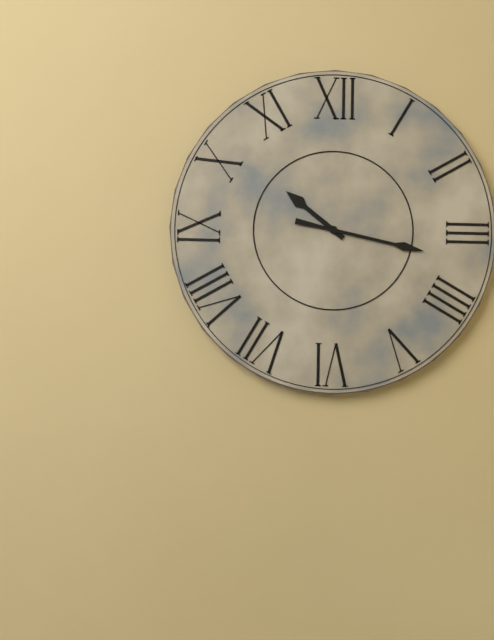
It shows 10.17
